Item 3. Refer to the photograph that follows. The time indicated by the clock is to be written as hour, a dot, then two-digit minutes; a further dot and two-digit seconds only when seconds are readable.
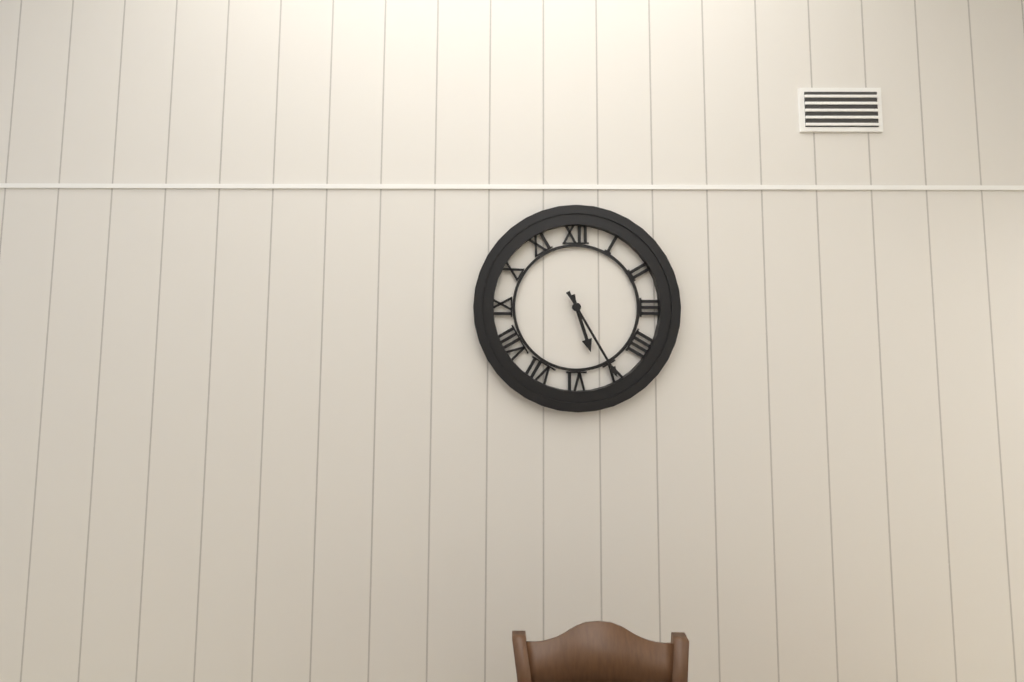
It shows 5.25
